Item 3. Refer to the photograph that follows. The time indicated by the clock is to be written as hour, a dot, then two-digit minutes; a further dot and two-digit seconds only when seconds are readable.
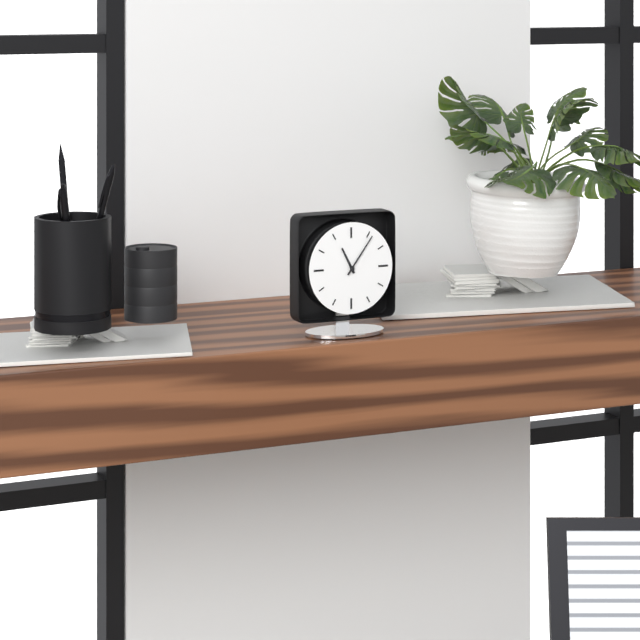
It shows 11.06
